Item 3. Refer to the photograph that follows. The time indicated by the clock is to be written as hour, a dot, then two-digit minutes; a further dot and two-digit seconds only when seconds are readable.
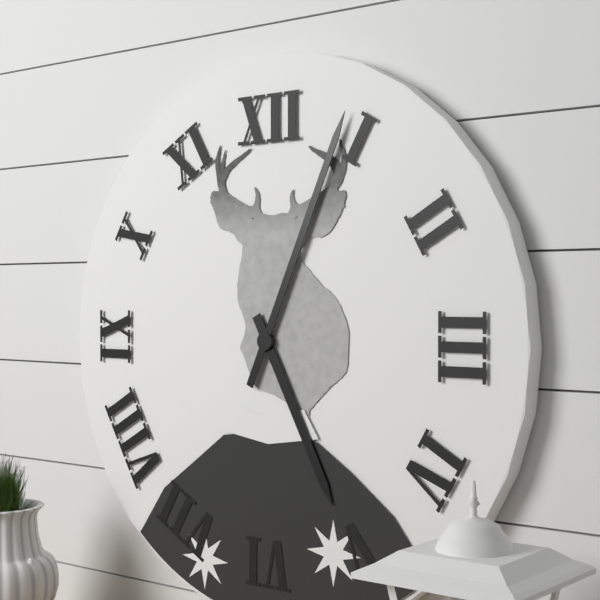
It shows 5.04
